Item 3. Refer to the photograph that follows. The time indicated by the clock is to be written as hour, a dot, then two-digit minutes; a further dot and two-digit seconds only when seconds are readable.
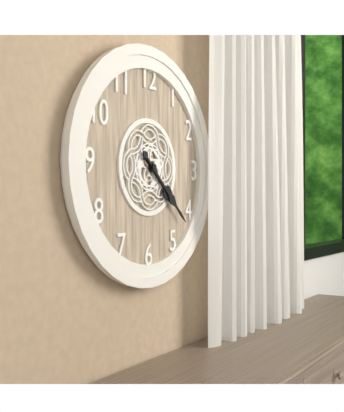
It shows 4.22
